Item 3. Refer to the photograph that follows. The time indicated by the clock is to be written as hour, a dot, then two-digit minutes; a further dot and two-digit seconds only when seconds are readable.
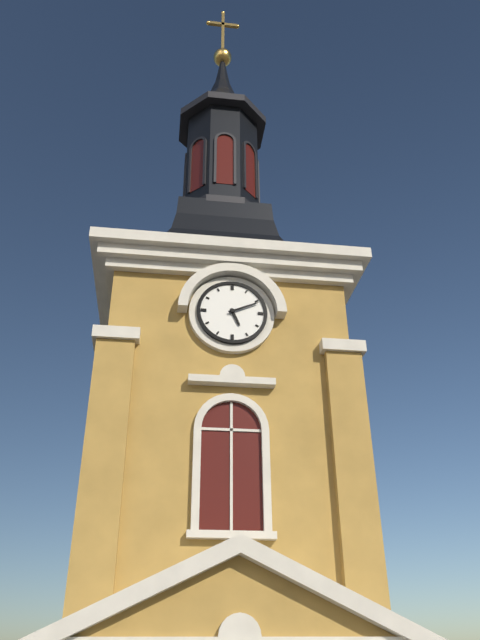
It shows 5.11
